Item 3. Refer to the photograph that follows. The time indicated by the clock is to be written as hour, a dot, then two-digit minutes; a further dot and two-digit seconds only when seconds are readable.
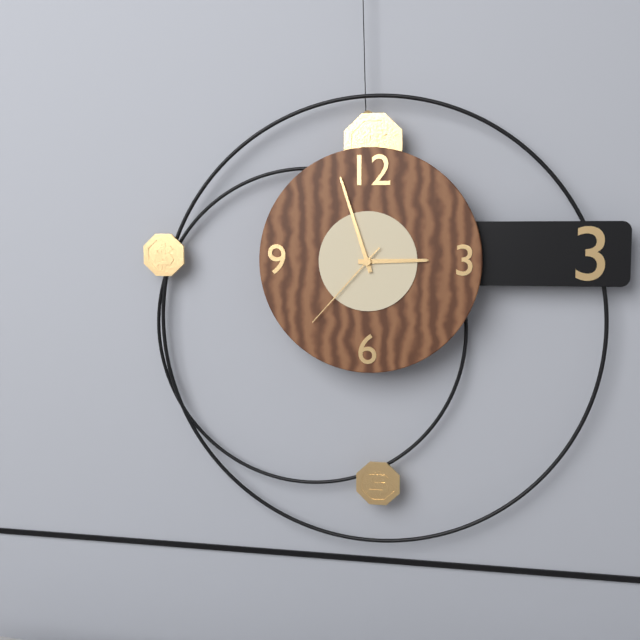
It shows 2.57.37
